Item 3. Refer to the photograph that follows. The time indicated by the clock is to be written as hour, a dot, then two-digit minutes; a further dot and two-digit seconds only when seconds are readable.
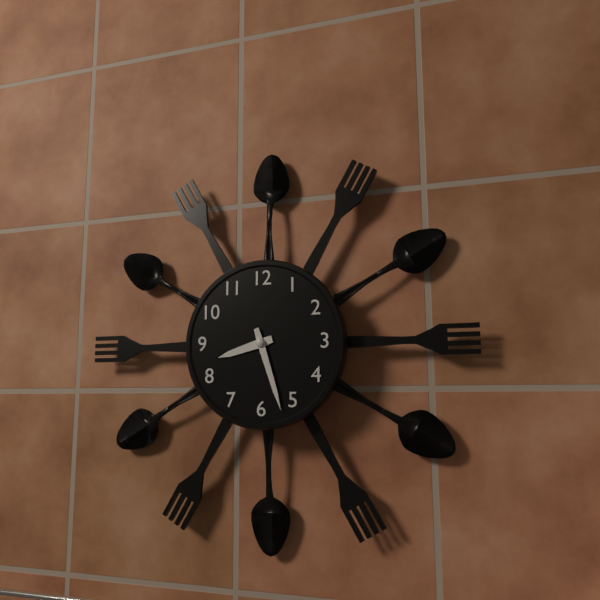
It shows 8.27
